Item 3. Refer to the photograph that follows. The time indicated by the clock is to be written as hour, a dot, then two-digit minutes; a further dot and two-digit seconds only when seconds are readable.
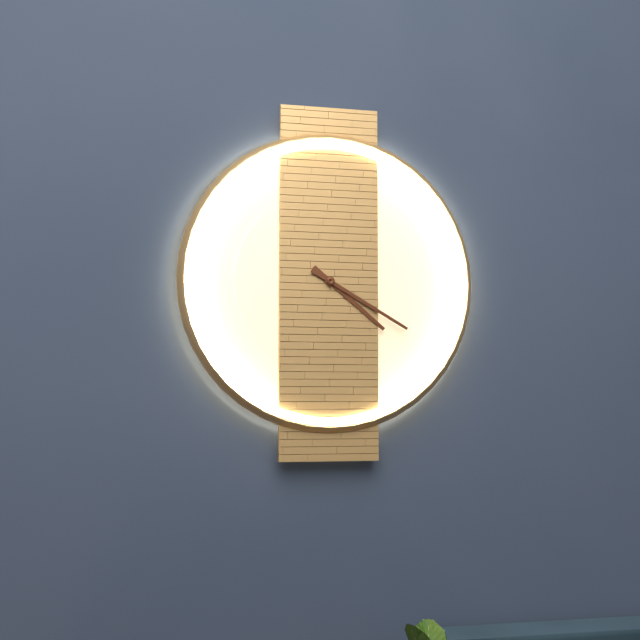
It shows 4.20
